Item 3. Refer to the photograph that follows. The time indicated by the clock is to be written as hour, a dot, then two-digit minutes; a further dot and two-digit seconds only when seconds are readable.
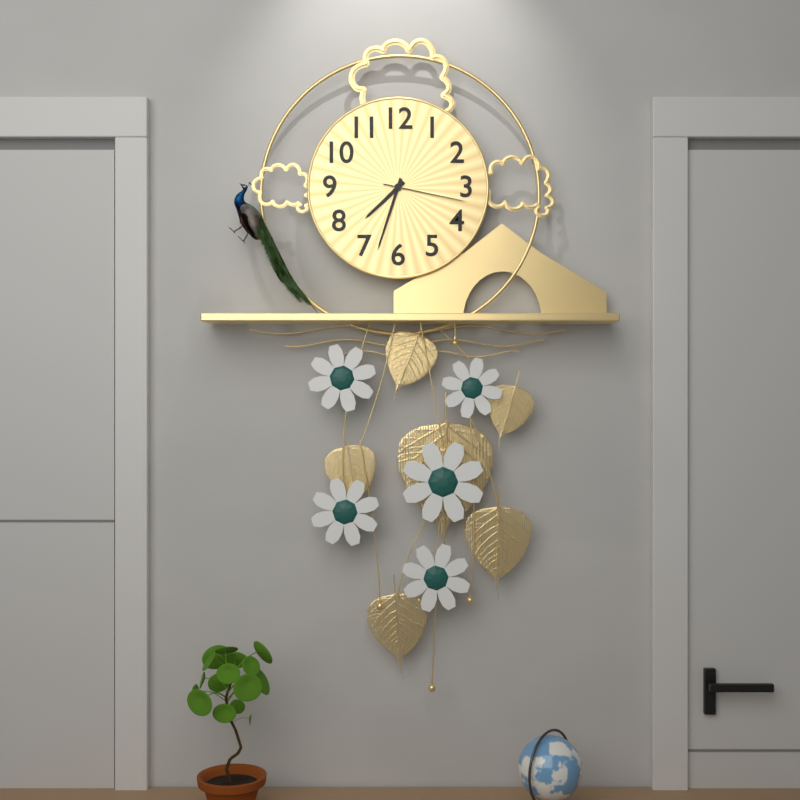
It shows 7.33.17
